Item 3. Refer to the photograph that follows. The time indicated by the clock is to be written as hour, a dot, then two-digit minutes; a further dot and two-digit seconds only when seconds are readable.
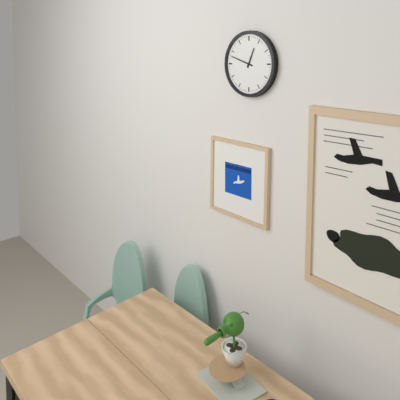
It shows 12.48
